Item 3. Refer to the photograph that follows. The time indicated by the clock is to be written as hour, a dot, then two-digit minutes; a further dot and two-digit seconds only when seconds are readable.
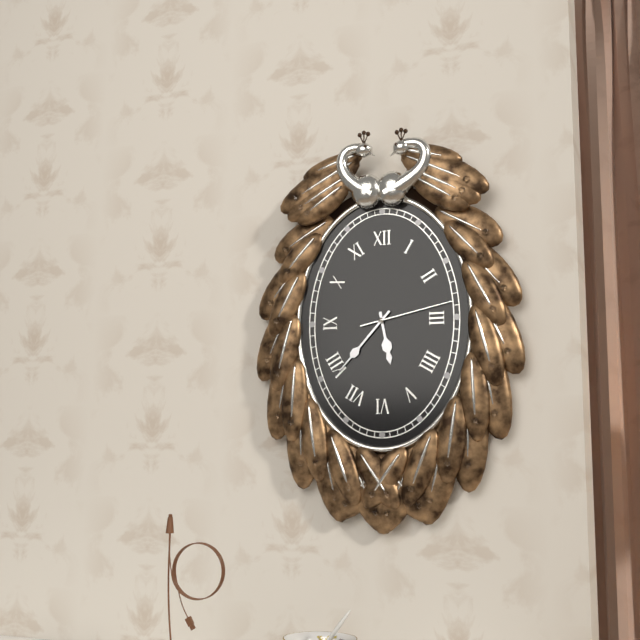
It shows 5.37.13
